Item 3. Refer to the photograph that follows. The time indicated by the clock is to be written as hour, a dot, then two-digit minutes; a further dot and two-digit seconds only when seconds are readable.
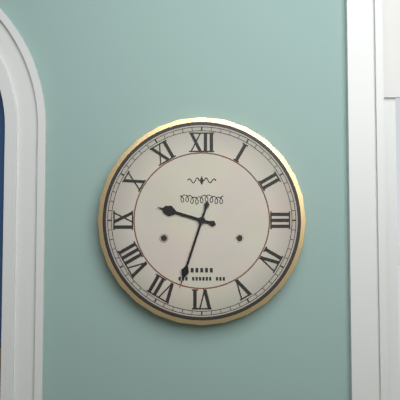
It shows 9.33
